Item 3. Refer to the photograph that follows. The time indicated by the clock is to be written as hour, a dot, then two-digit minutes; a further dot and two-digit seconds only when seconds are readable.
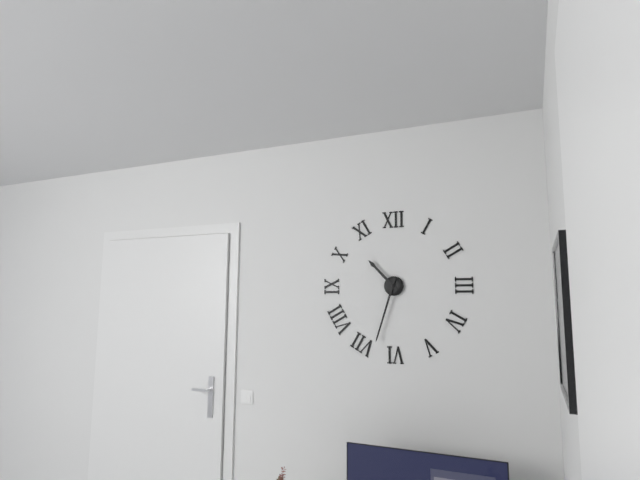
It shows 10.33
